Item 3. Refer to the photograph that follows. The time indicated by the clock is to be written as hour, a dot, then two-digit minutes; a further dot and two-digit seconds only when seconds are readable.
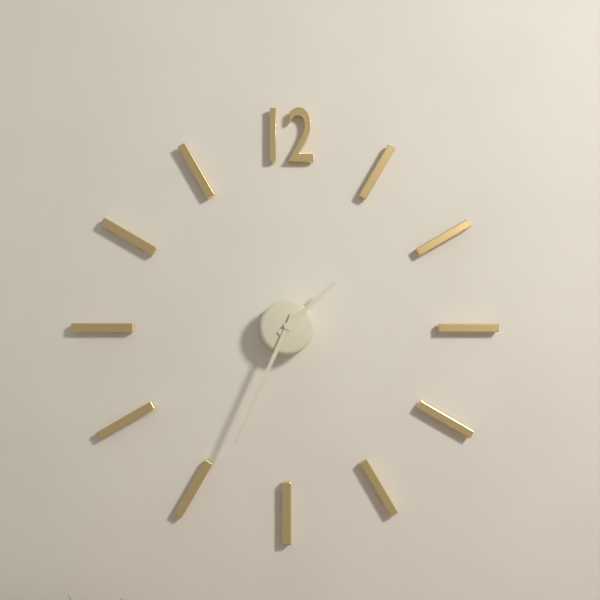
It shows 1.34
